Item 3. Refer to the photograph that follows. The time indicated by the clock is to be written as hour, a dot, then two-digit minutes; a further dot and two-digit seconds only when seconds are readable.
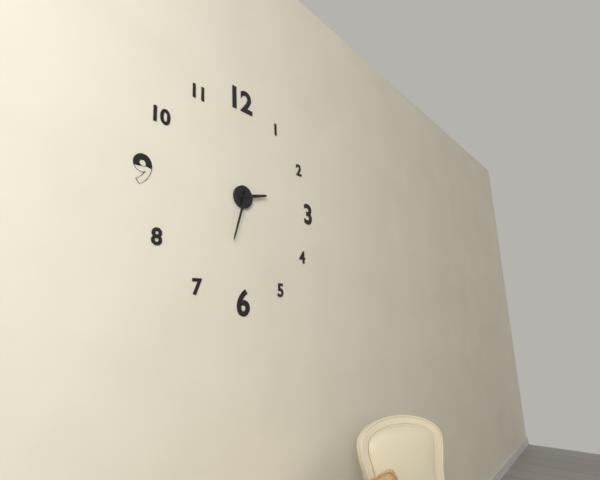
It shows 2.33
